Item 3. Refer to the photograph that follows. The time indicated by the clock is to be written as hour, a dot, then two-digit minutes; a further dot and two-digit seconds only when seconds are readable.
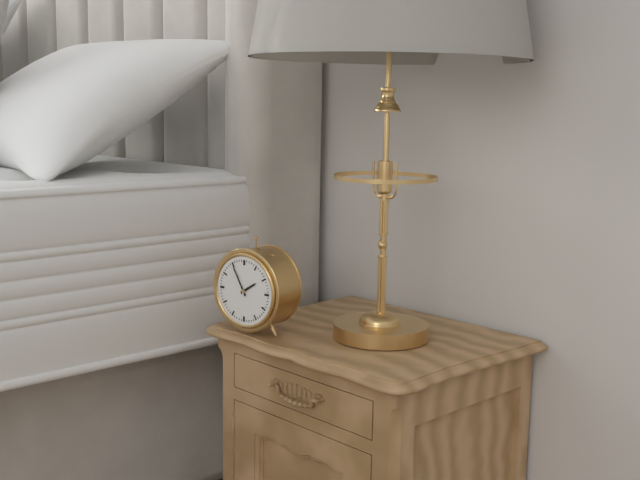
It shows 1.55
